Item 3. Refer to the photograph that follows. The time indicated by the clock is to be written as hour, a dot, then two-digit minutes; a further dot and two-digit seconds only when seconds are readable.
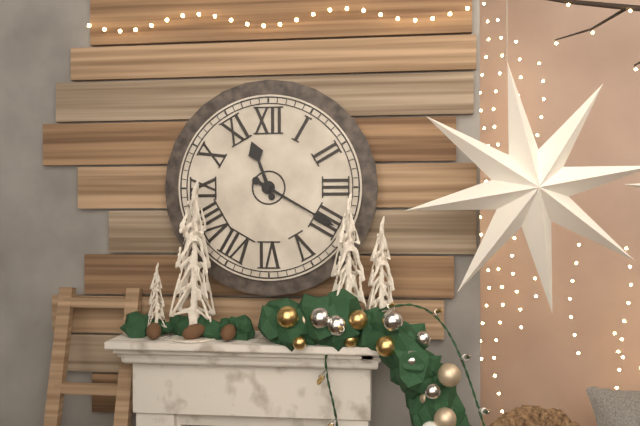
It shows 11.20
